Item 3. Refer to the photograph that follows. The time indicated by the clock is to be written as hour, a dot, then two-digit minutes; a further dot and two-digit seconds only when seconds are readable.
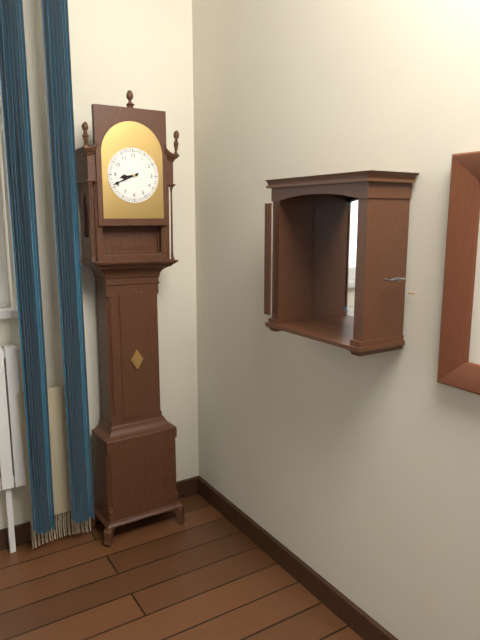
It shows 8.41
